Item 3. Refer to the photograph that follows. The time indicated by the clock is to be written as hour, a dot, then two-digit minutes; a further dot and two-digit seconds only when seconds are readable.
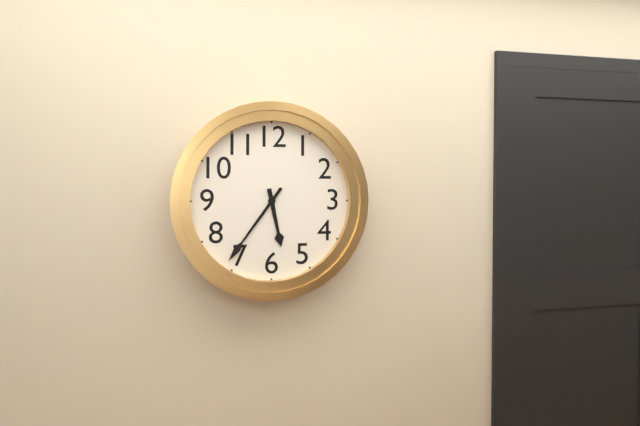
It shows 5.36
